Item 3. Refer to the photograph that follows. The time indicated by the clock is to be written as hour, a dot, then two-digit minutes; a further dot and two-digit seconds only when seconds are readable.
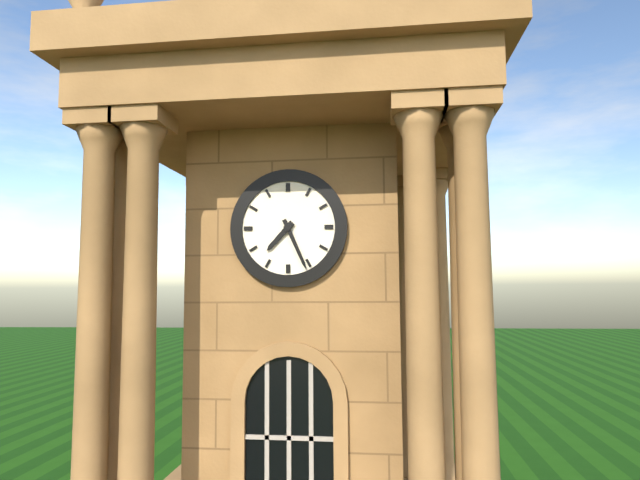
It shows 7.26
